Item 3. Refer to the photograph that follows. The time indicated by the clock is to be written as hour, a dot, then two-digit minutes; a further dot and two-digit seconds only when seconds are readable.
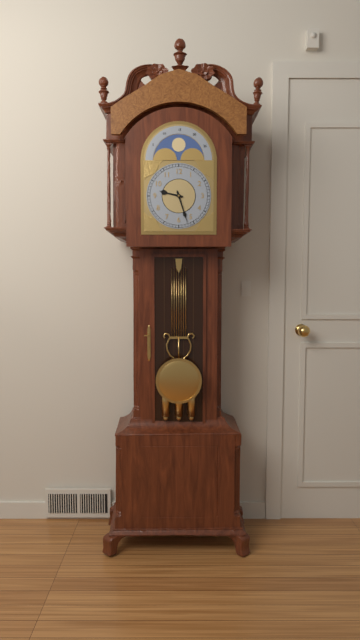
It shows 9.27
